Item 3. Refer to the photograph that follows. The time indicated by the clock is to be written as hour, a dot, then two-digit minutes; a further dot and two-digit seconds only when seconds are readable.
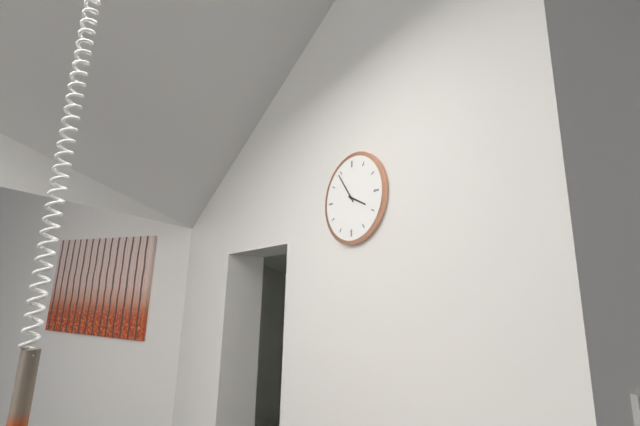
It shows 3.54
